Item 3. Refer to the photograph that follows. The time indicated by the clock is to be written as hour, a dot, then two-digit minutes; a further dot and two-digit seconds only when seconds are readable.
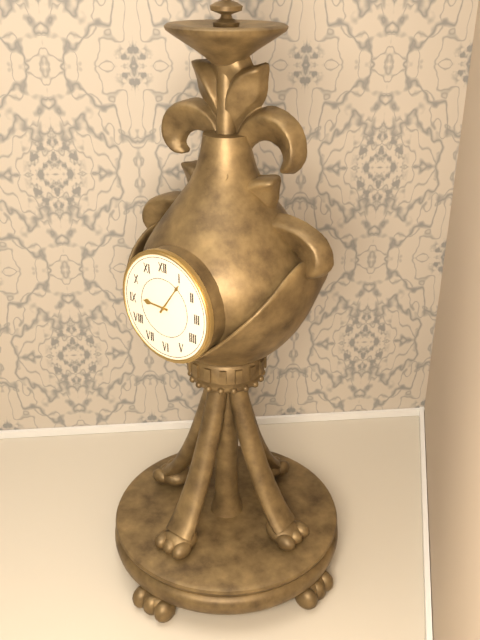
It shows 9.06
